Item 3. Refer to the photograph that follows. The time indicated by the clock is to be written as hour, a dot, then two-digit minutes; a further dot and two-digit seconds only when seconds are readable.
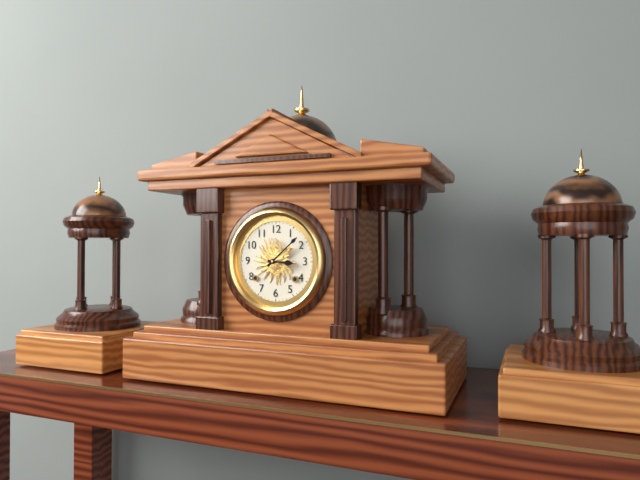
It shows 3.08
